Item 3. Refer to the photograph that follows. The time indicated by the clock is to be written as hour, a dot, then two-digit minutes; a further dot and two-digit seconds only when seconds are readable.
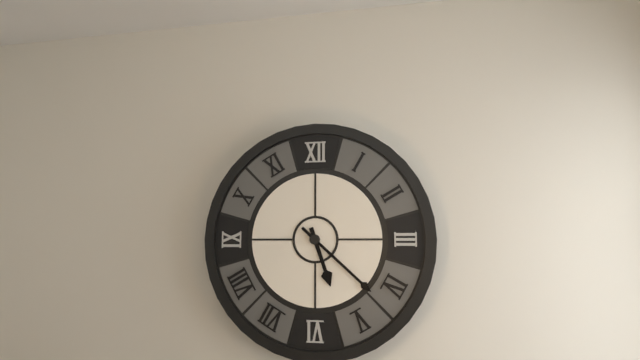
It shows 5.22
